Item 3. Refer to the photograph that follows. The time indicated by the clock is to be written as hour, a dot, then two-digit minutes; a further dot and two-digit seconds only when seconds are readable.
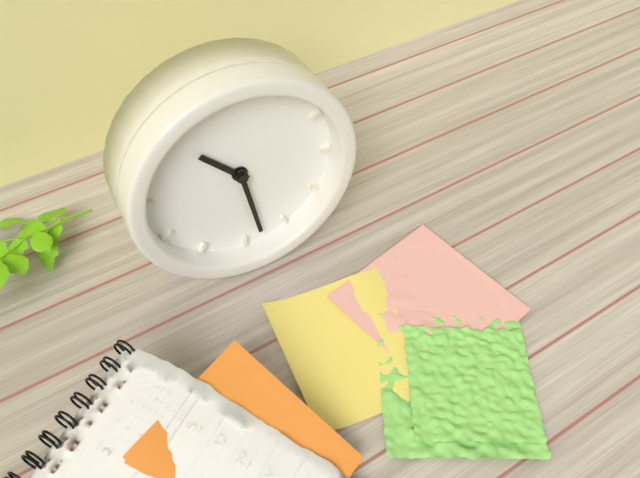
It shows 10.28
